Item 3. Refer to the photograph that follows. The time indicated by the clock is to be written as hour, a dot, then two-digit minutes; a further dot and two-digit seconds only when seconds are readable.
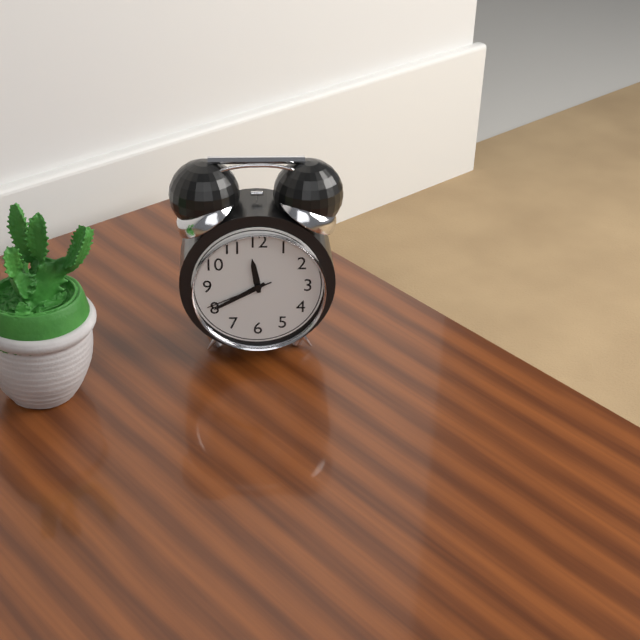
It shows 11.40.41
